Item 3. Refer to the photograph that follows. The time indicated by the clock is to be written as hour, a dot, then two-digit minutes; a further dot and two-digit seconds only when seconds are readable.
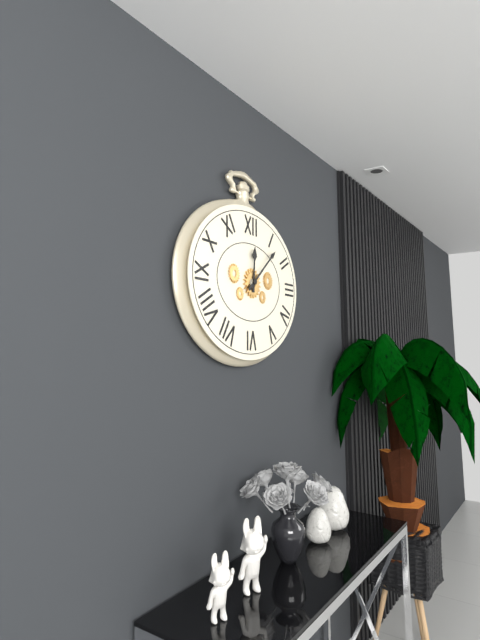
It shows 12.08
